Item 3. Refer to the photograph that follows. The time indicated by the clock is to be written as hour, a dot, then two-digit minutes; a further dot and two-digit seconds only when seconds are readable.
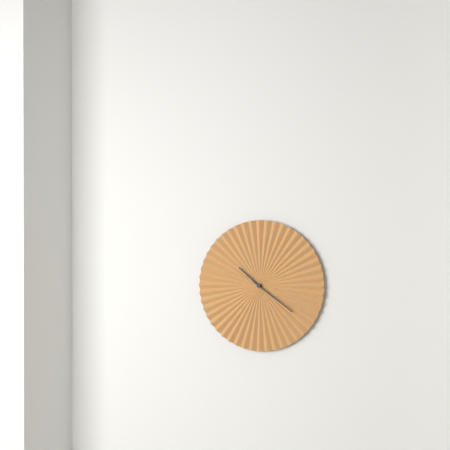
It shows 10.21
